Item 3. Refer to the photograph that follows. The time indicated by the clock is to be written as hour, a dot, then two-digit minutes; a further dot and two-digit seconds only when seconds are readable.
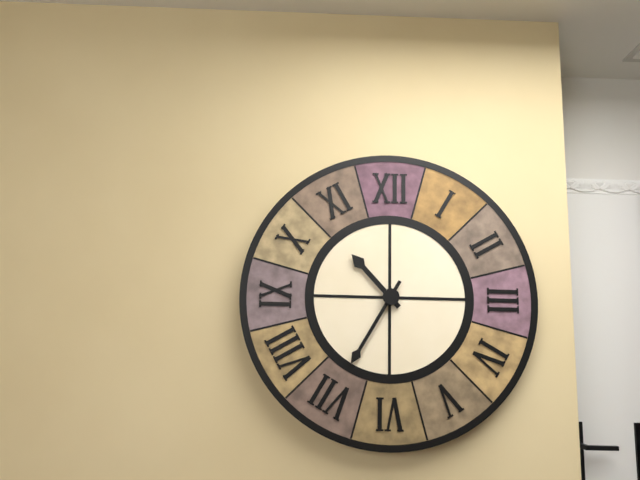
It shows 10.35
